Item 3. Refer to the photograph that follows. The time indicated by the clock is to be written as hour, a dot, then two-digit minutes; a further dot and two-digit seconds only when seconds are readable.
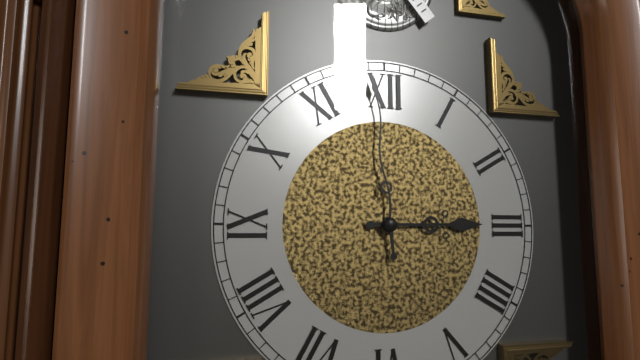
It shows 2.59
